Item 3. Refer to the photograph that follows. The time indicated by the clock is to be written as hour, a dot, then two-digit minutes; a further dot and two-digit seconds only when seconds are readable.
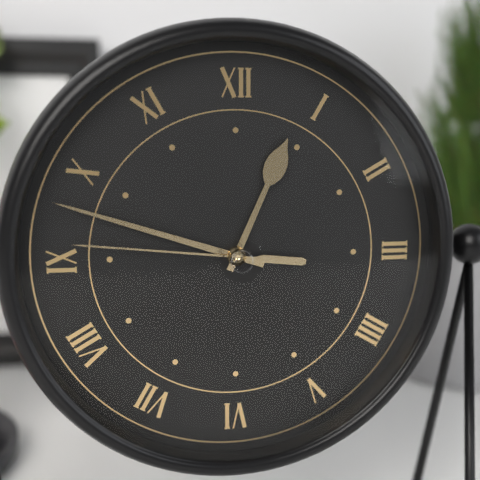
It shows 12.48.46
